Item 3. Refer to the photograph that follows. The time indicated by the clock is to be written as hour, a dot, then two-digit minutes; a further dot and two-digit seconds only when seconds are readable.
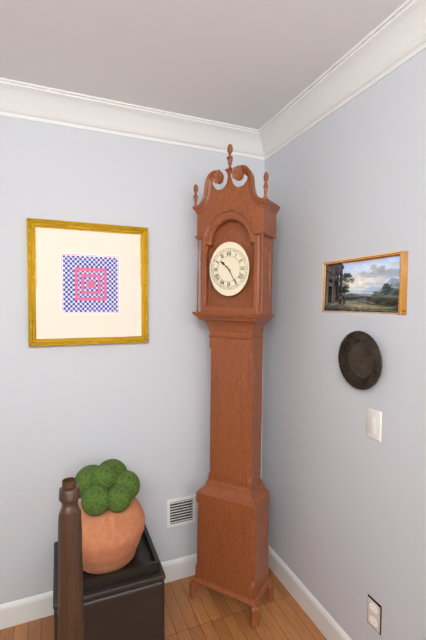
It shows 10.25
